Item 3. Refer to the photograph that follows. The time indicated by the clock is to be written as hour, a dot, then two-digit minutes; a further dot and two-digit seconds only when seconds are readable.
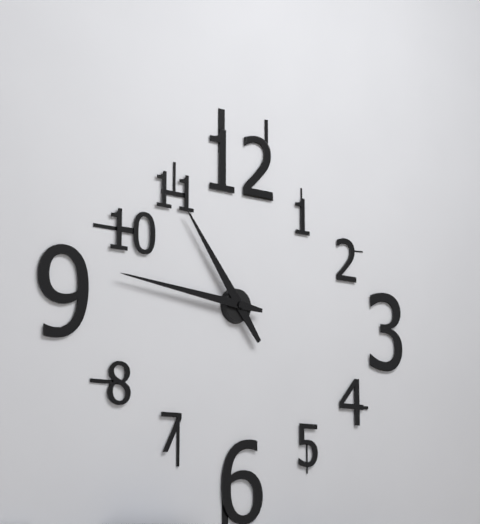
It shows 10.46
